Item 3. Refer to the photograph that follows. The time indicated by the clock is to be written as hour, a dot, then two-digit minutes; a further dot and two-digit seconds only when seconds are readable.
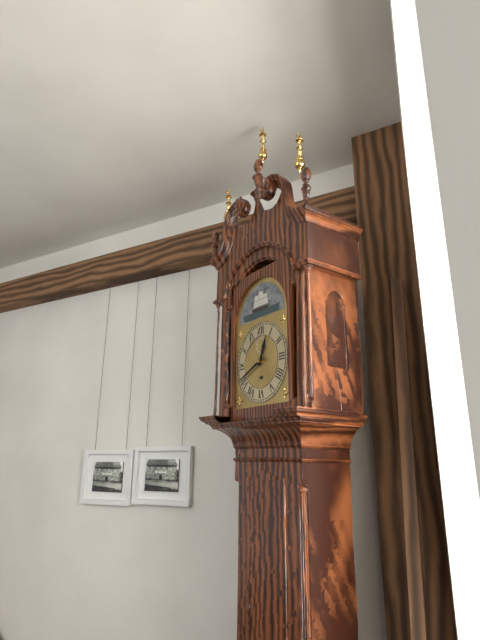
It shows 12.41
